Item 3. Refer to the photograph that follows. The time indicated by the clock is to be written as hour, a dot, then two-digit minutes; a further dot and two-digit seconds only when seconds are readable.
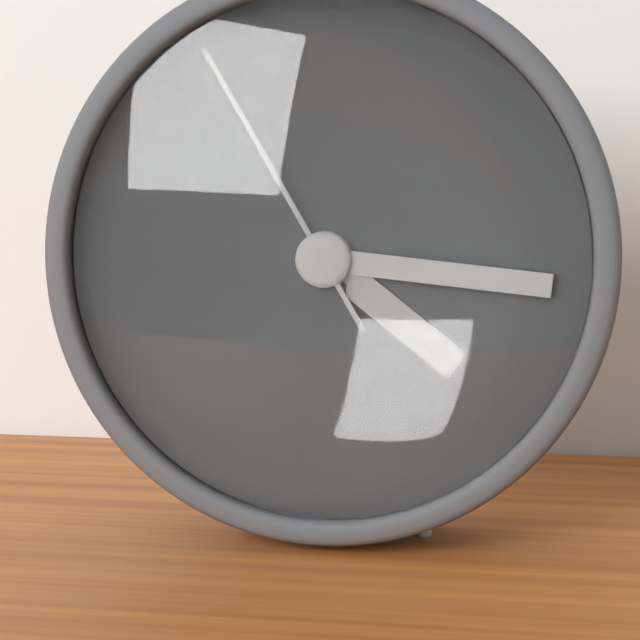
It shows 4.16.55
